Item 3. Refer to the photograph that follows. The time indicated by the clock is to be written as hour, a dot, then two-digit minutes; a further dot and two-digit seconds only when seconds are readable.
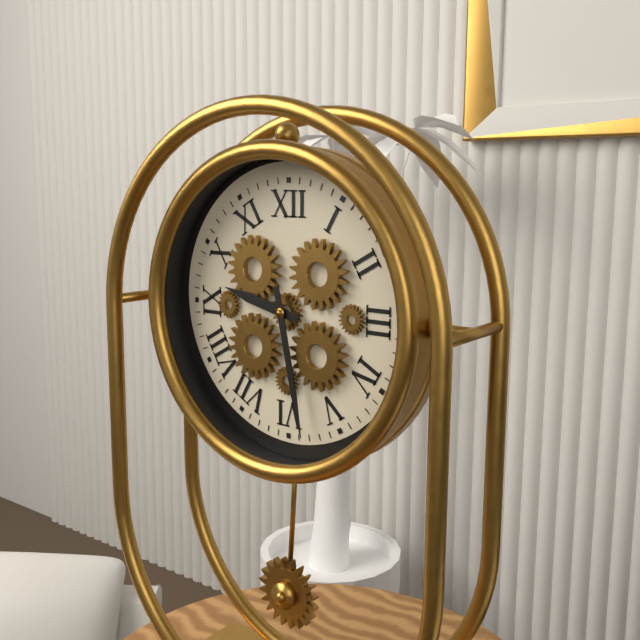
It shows 9.28
